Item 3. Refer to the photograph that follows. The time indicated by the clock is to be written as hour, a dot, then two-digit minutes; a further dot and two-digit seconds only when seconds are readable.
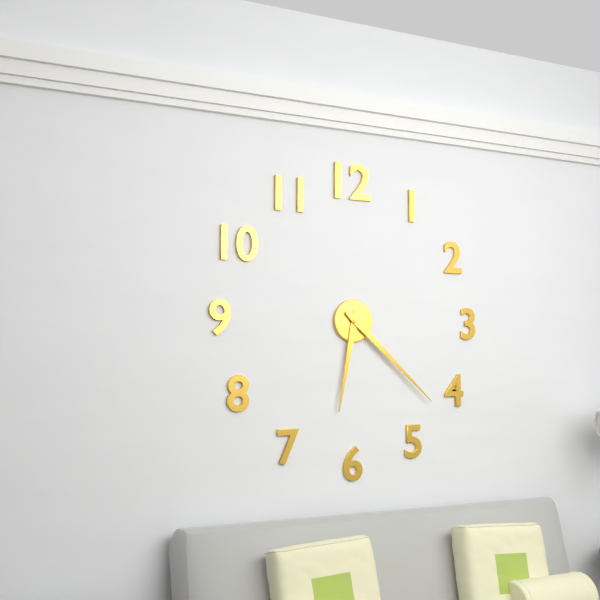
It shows 6.22
